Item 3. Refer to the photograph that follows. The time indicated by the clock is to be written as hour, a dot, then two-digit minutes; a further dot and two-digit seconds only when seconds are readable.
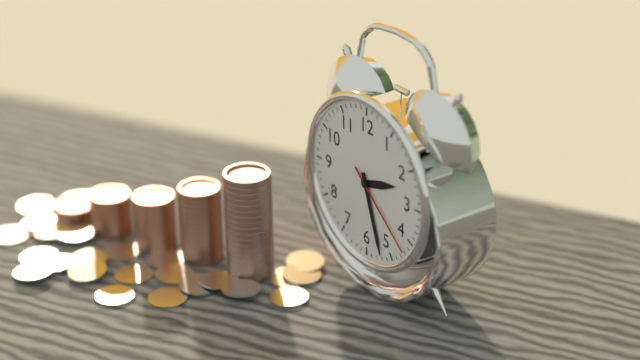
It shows 2.27.22
